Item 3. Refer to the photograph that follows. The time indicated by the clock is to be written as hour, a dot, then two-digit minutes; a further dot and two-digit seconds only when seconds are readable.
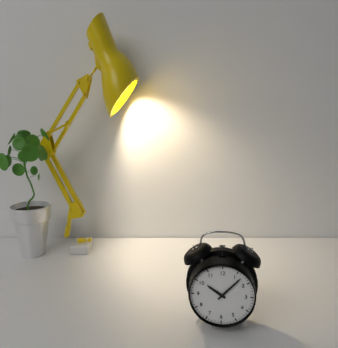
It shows 10.07
